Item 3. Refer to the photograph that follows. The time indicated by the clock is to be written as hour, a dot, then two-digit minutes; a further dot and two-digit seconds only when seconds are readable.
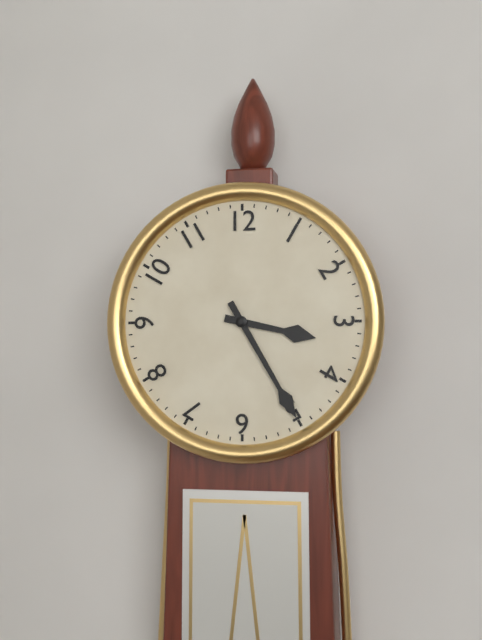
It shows 3.25
